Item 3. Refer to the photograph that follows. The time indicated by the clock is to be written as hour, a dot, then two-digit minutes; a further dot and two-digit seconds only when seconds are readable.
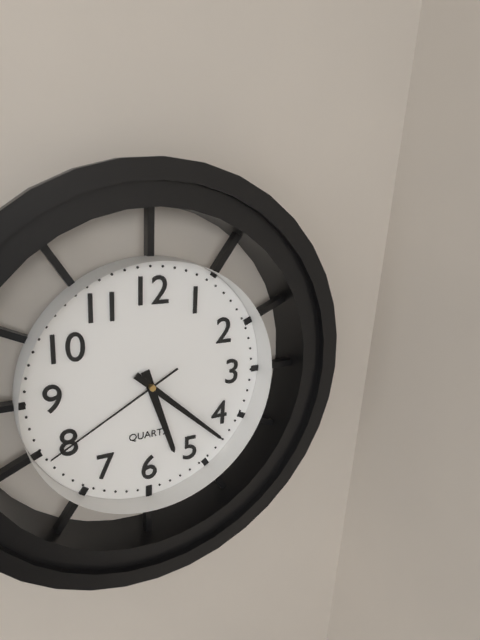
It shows 5.22.40
